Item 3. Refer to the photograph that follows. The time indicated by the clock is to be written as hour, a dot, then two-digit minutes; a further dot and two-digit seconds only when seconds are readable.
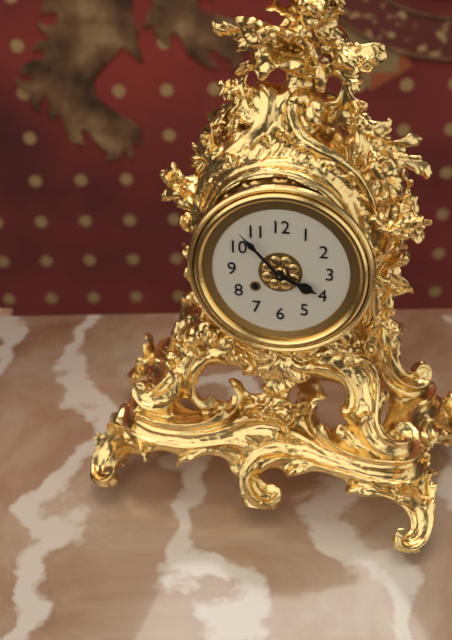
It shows 3.53
